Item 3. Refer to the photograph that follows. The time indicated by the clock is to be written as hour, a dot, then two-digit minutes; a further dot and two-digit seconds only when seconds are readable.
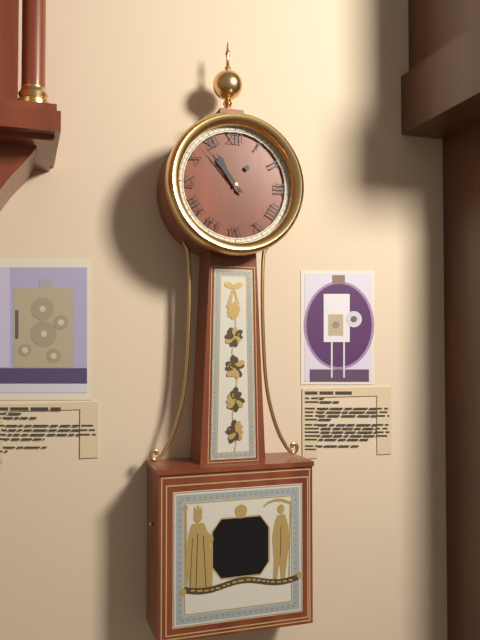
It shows 10.53
